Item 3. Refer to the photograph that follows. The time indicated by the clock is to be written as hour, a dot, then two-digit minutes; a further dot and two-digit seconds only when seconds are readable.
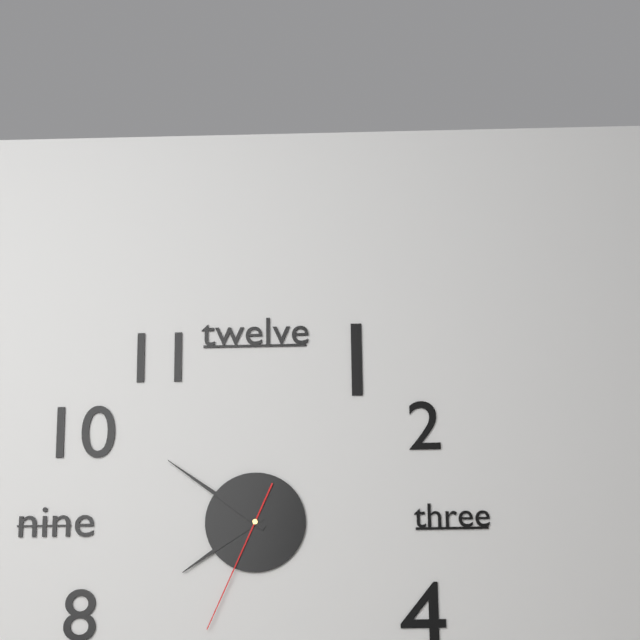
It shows 7.51.34
